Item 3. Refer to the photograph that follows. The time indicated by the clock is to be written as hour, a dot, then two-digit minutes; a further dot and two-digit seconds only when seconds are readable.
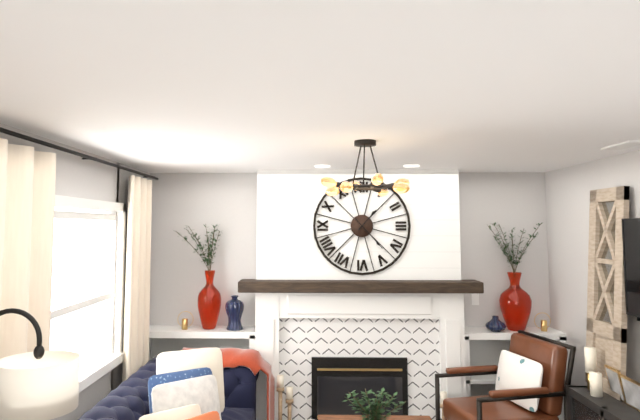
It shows 1.23
